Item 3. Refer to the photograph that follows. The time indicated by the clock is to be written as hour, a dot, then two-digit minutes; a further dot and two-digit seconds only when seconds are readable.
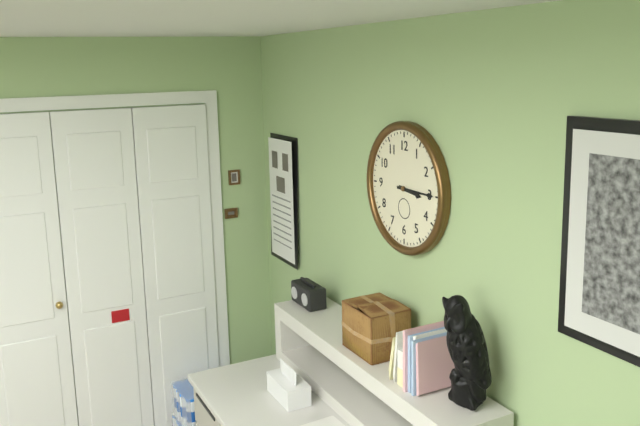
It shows 3.15
